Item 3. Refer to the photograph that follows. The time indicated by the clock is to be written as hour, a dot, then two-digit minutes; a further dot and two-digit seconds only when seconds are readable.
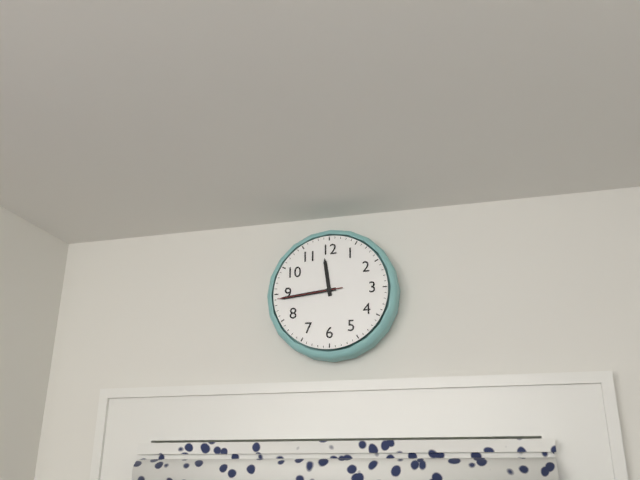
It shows 11.44.44
